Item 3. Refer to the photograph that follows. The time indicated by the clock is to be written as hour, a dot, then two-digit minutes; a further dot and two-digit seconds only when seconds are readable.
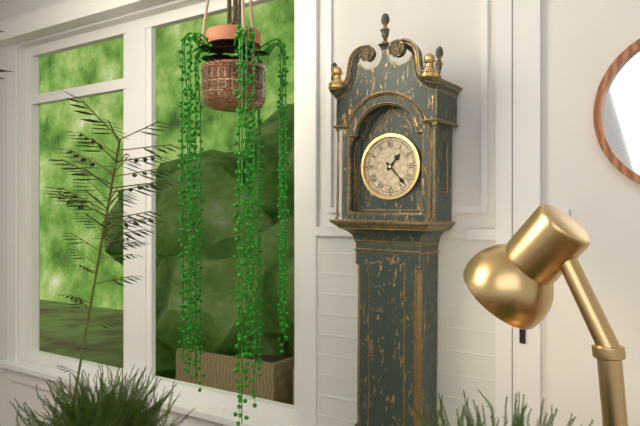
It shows 1.23
